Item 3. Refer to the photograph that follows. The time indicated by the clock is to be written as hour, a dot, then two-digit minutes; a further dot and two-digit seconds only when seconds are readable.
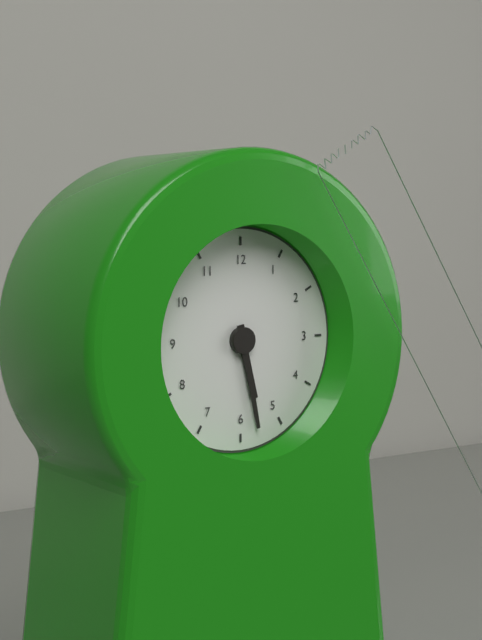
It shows 5.28
